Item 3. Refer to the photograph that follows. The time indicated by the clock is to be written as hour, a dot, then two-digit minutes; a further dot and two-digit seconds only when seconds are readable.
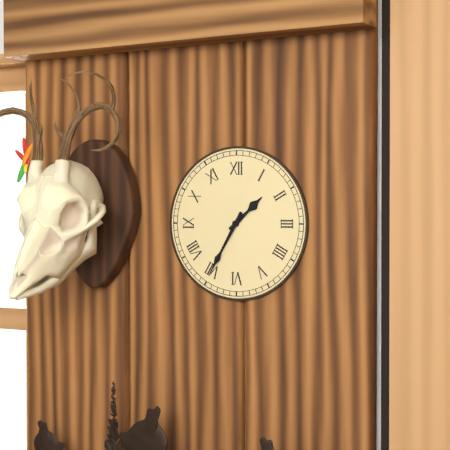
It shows 1.35
